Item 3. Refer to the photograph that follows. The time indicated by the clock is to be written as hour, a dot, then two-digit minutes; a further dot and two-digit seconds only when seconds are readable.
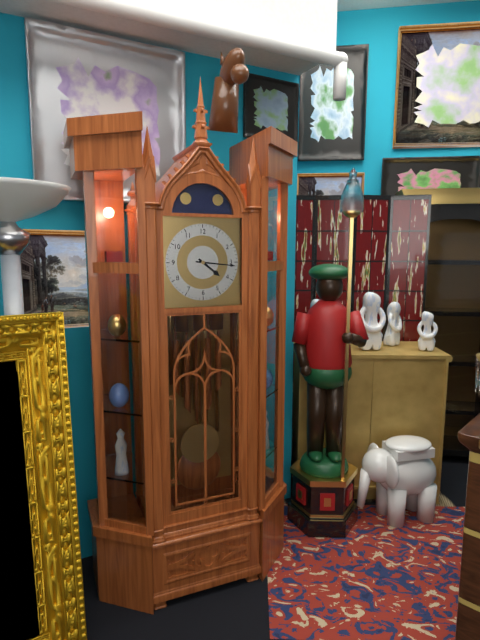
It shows 4.16
